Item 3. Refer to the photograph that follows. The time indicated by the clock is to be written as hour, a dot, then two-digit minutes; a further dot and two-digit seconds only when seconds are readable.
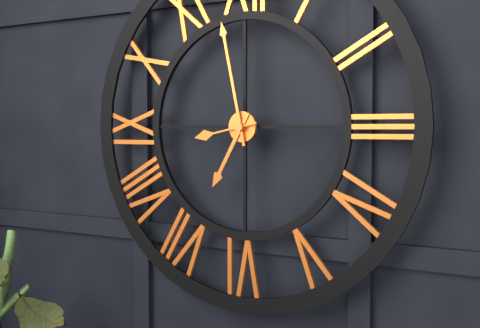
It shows 6.58.43
